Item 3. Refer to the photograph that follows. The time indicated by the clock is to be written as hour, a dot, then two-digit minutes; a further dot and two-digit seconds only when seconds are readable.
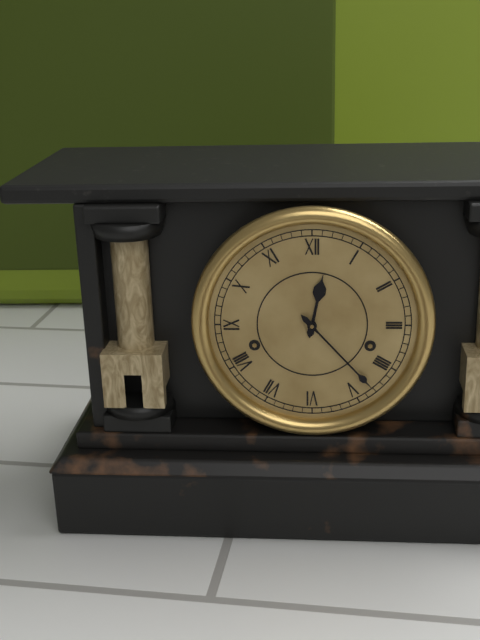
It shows 12.23
